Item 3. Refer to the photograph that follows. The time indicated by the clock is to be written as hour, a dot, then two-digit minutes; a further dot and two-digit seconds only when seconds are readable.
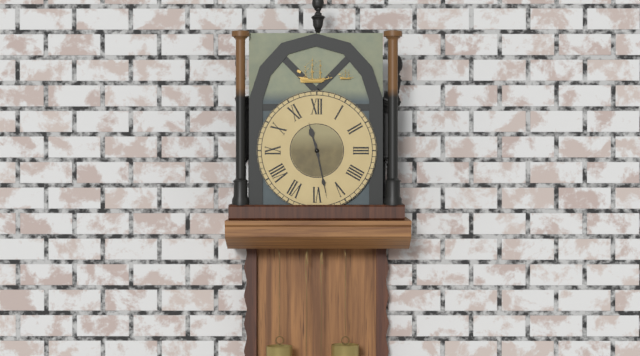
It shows 11.28
